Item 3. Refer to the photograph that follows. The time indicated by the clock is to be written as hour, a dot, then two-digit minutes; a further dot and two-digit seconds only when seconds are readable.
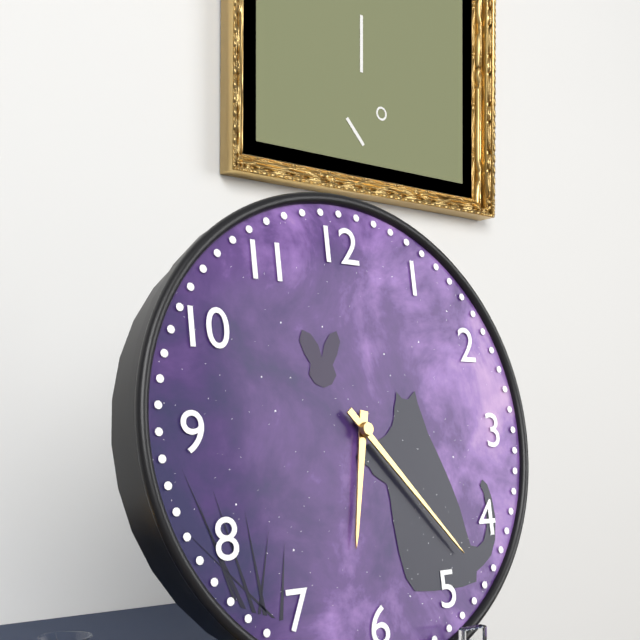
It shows 6.23
